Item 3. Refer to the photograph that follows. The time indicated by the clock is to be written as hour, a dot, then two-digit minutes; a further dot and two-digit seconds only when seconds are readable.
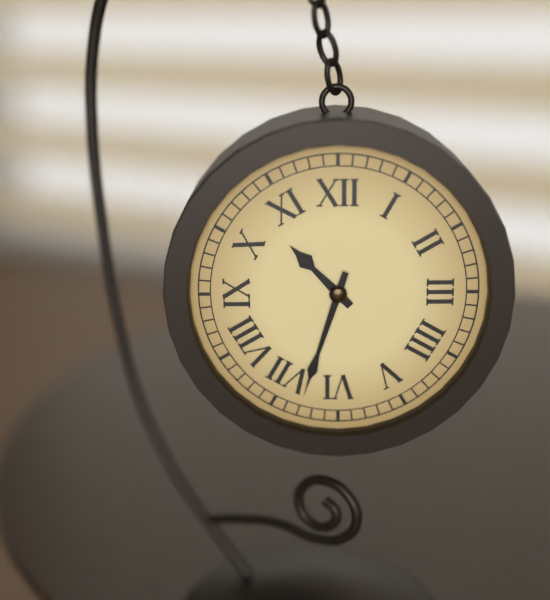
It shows 10.33
